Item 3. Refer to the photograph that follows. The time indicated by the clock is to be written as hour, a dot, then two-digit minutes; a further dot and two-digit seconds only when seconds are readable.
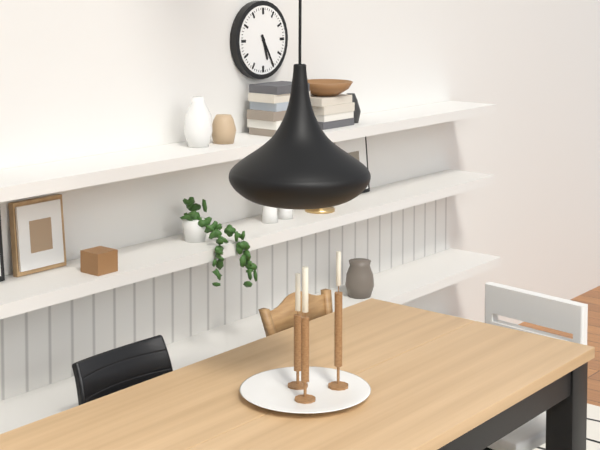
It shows 5.25
